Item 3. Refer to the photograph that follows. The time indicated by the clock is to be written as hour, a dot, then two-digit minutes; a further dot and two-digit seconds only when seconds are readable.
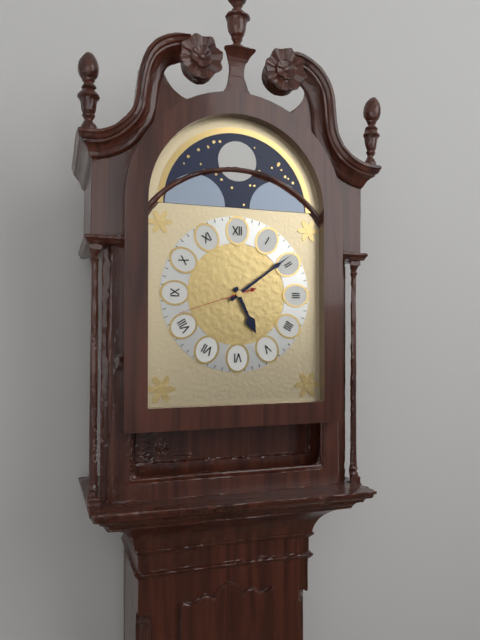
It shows 5.09.42
